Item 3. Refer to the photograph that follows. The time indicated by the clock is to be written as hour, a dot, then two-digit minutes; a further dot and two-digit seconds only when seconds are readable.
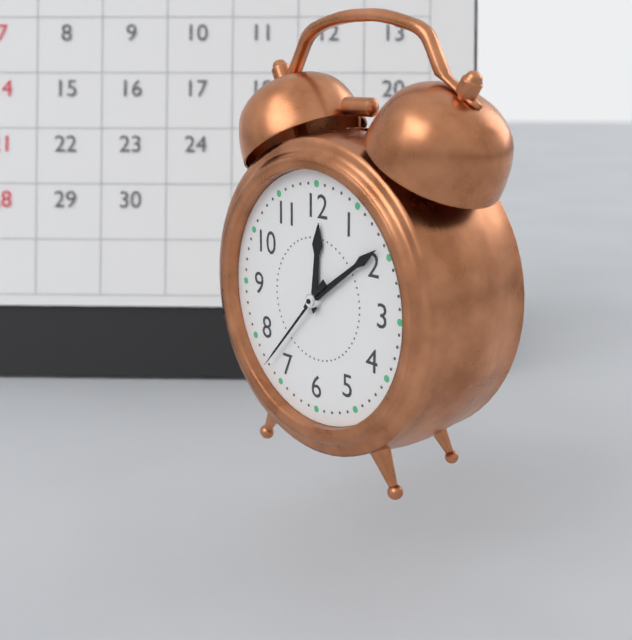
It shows 12.09.37
